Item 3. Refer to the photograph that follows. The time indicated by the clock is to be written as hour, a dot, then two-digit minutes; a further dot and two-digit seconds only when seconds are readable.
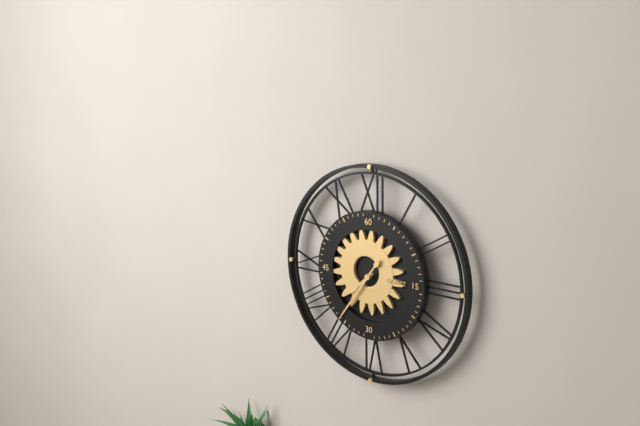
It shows 7.36
